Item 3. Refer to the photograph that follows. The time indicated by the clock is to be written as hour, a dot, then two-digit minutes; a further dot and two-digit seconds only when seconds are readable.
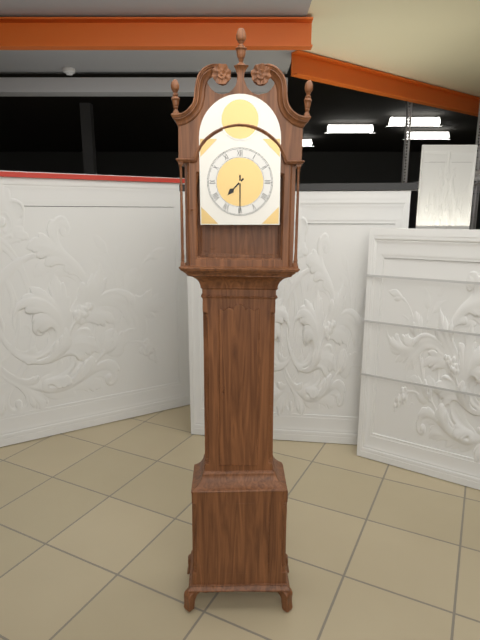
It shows 7.30
